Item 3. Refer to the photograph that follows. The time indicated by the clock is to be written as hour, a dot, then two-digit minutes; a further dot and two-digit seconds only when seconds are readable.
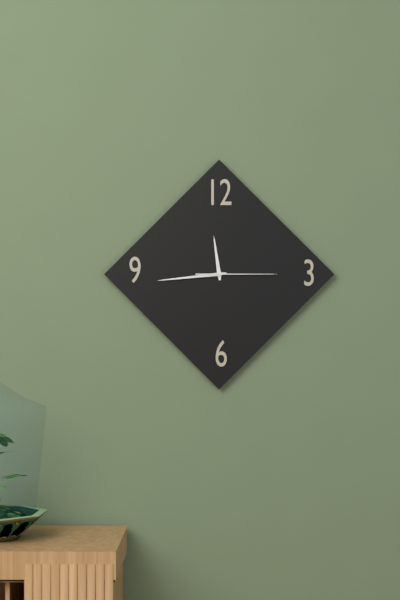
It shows 11.44.15
